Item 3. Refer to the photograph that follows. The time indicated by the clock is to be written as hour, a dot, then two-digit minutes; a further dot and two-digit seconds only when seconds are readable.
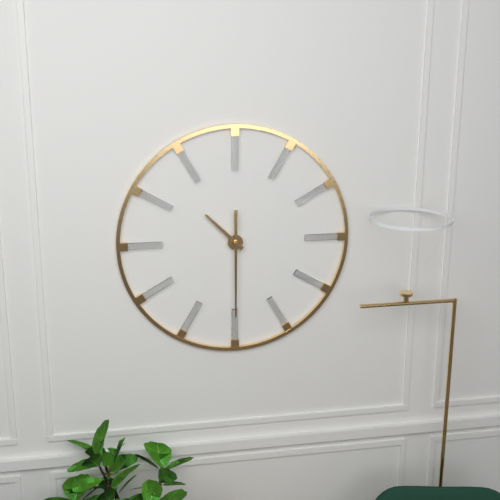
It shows 10.30
